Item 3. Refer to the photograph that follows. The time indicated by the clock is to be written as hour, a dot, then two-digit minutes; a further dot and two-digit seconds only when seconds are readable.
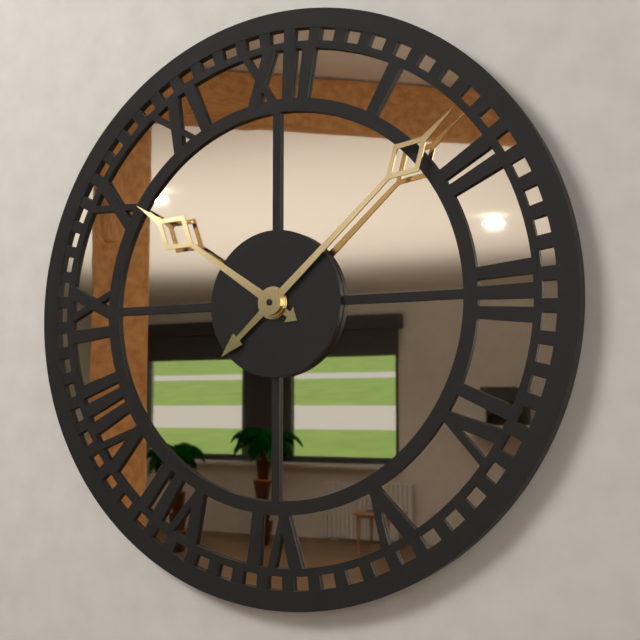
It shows 10.08
